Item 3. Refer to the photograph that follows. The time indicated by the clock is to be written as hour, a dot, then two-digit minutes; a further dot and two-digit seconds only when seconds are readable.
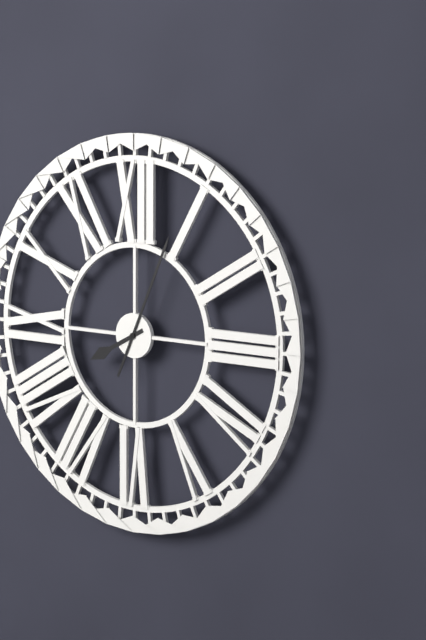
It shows 8.04
